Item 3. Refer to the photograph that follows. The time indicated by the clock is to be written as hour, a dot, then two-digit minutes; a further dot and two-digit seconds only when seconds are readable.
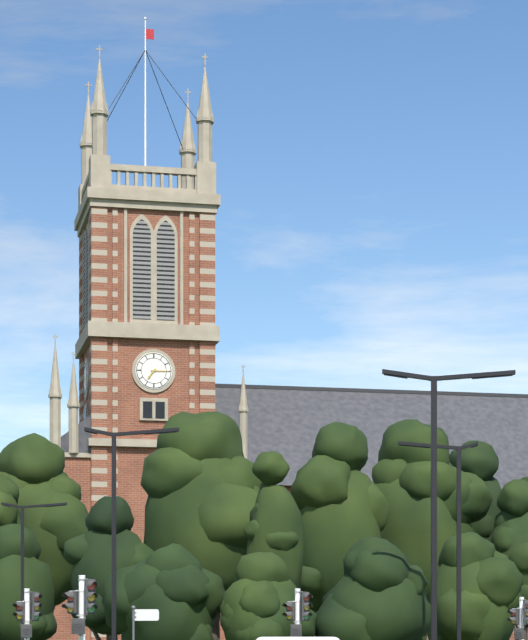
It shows 7.15
